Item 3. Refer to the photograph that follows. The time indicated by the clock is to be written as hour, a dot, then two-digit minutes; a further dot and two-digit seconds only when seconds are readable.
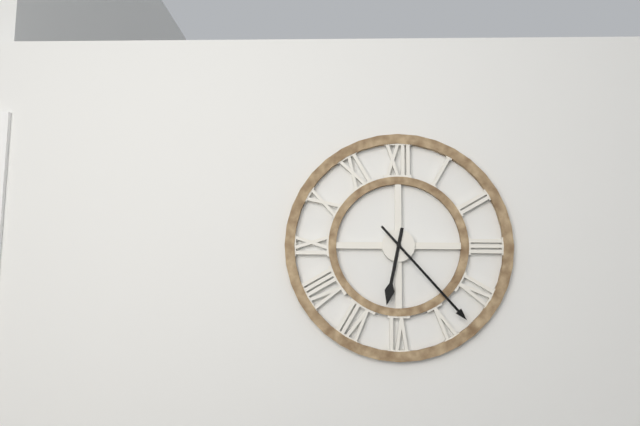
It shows 6.23
